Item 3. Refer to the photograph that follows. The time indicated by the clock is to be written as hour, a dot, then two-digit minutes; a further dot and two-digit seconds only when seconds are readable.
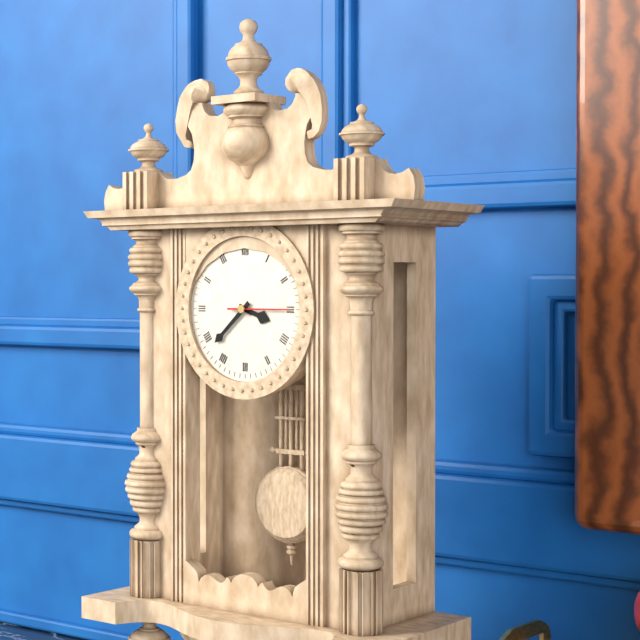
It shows 3.38.15
